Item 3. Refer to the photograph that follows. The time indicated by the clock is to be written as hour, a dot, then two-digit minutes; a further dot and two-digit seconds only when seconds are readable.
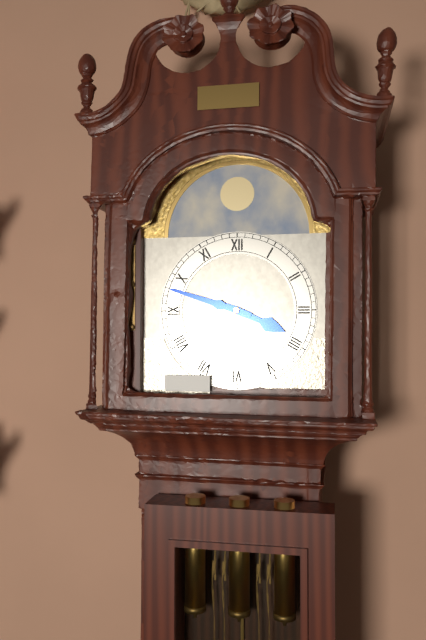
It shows 3.48
